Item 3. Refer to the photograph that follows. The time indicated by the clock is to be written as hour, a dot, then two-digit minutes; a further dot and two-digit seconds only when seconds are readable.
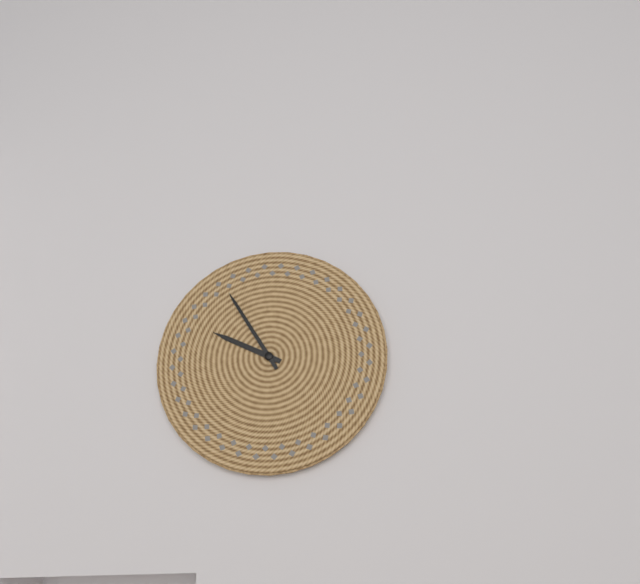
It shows 9.55
